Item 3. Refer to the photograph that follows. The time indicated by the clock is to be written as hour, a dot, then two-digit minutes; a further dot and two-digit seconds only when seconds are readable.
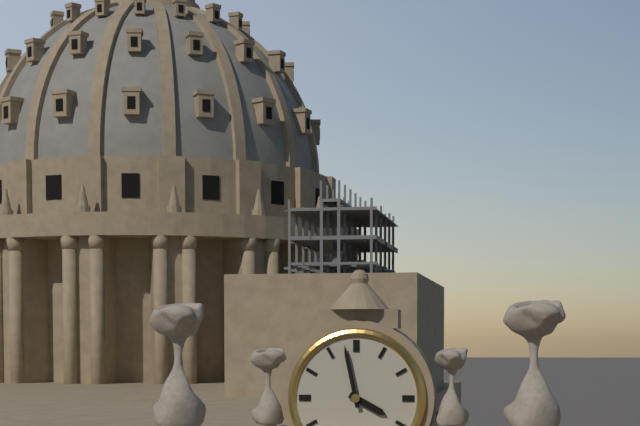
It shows 3.58
